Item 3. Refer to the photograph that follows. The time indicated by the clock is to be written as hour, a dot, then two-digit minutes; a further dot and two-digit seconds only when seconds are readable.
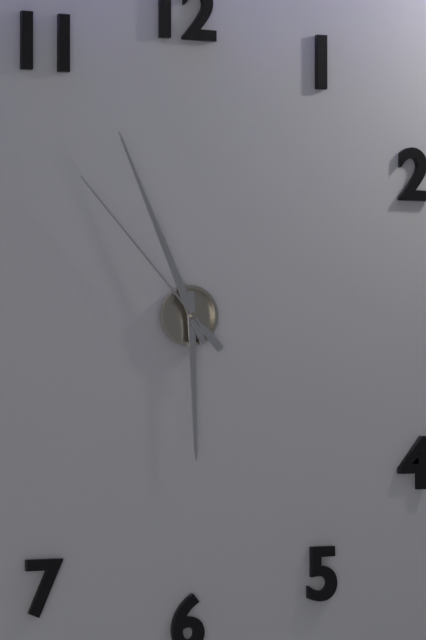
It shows 5.56.53
